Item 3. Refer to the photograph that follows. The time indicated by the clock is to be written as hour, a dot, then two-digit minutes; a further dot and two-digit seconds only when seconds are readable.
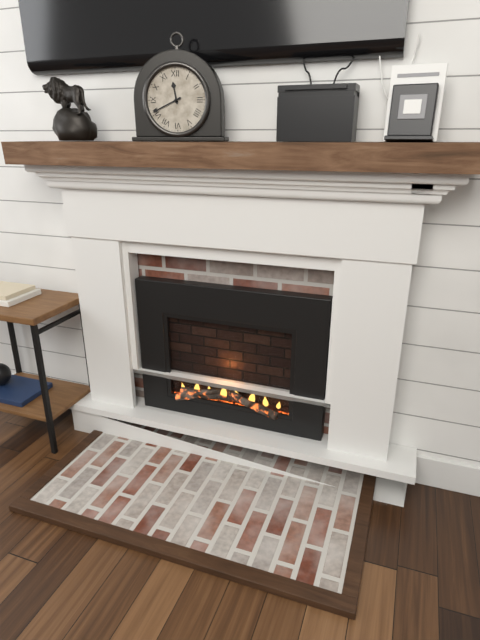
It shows 11.41
